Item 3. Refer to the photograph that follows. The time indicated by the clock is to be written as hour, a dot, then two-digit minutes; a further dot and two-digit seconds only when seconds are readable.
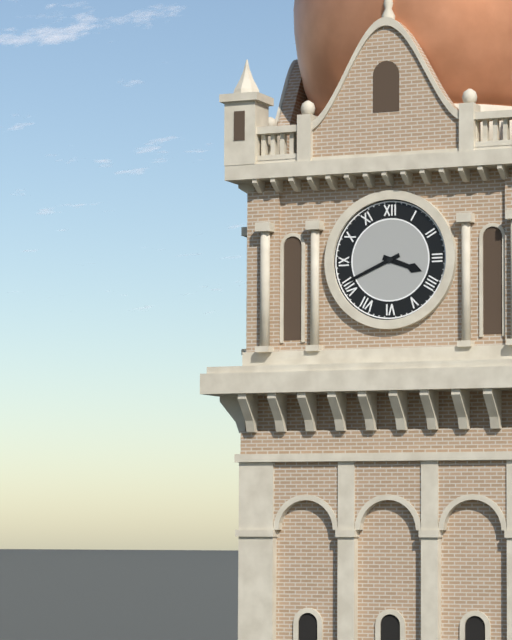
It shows 3.41
